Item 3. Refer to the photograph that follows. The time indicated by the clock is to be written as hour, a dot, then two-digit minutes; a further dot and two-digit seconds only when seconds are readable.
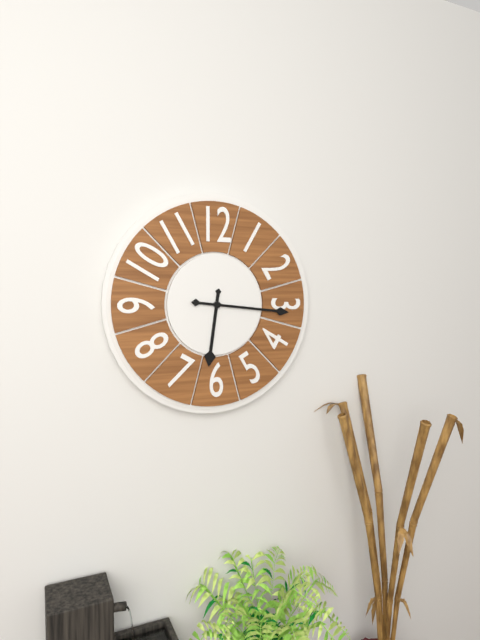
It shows 6.16
